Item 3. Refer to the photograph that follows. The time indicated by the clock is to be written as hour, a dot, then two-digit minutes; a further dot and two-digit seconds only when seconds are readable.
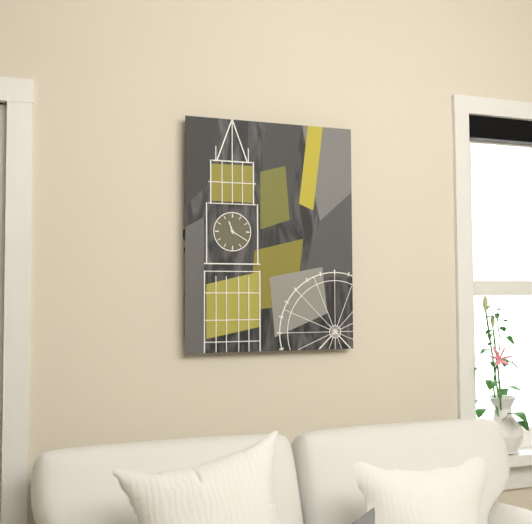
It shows 11.20
